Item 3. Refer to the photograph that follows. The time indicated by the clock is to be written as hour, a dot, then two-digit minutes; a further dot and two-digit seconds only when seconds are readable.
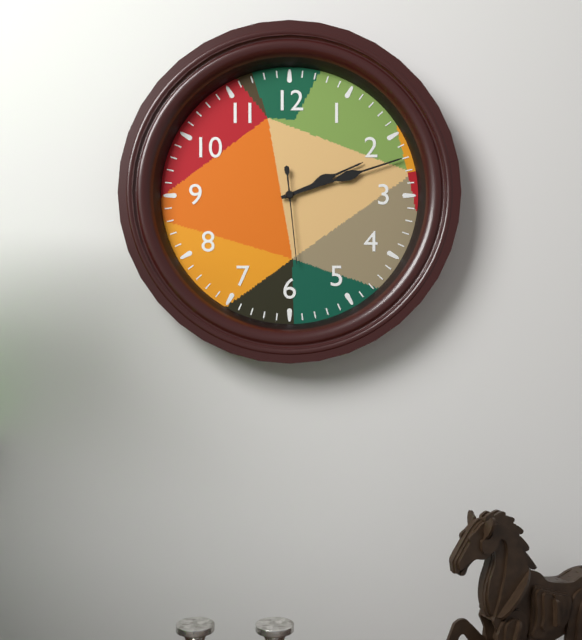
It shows 2.12.29
